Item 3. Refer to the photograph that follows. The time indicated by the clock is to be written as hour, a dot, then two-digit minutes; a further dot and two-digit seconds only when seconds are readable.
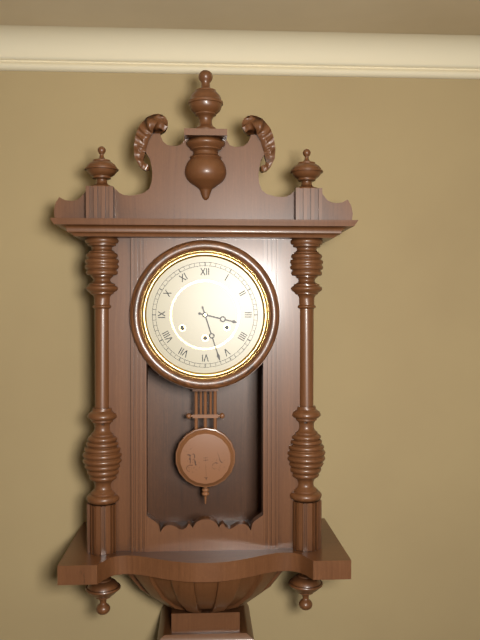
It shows 3.27
